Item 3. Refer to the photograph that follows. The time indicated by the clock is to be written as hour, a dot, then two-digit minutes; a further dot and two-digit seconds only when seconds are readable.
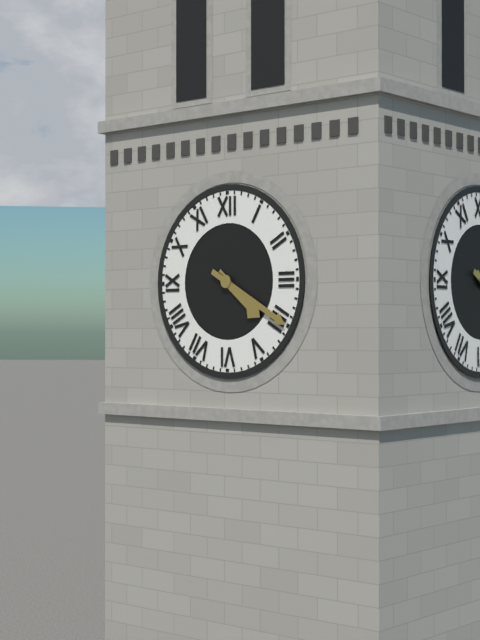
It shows 4.20
